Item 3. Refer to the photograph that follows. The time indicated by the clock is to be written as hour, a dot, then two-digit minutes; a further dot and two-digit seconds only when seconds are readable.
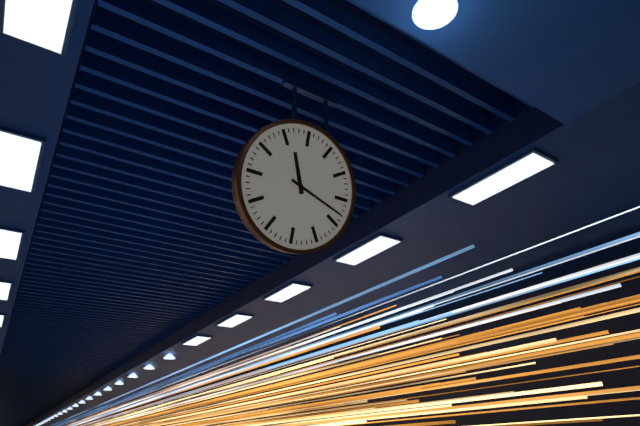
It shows 11.18
